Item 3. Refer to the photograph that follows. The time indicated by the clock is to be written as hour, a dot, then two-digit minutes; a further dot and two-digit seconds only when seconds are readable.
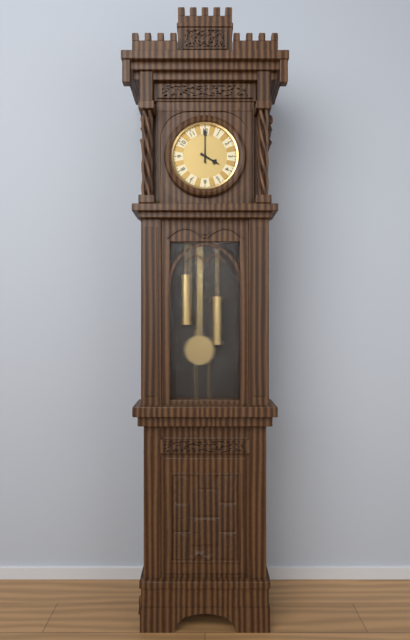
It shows 4.00
